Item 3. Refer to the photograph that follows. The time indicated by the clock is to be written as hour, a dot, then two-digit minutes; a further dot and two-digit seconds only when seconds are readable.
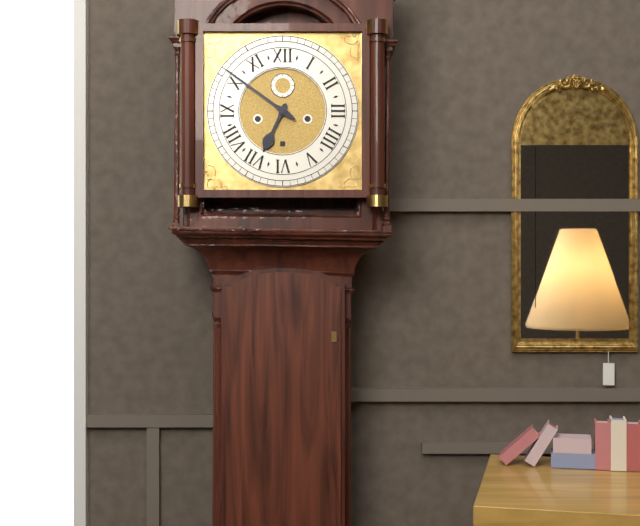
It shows 6.51
